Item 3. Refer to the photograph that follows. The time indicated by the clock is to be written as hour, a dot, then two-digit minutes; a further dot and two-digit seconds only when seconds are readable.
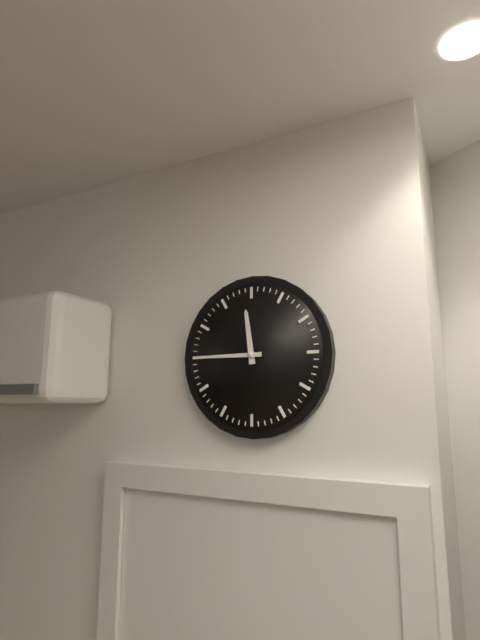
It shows 11.45
